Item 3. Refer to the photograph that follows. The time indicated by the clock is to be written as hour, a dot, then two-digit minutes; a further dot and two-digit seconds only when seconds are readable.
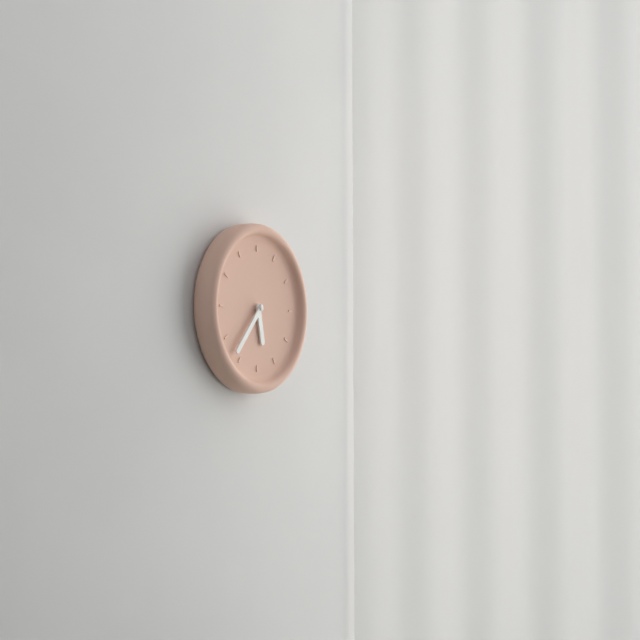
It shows 5.37
